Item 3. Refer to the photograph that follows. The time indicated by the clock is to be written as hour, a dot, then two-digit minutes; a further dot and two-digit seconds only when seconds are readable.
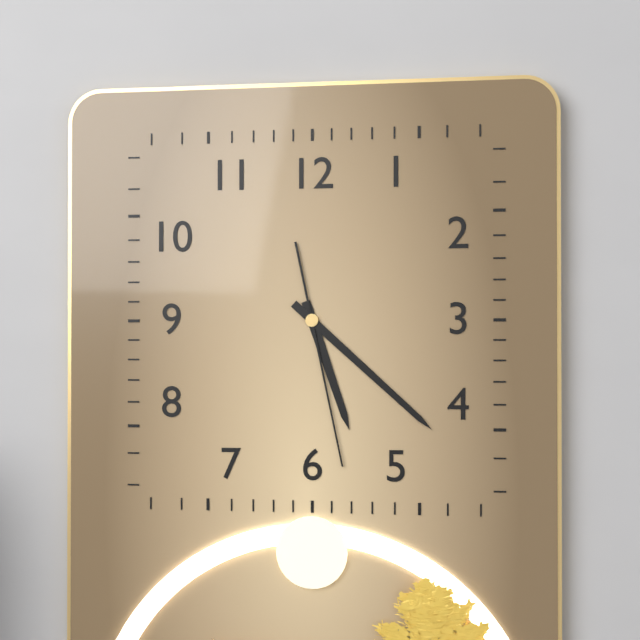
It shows 5.22.28
